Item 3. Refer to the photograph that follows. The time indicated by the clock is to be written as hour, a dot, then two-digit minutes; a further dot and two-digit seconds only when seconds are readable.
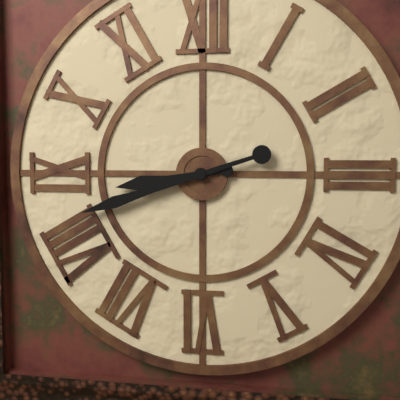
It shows 8.42
